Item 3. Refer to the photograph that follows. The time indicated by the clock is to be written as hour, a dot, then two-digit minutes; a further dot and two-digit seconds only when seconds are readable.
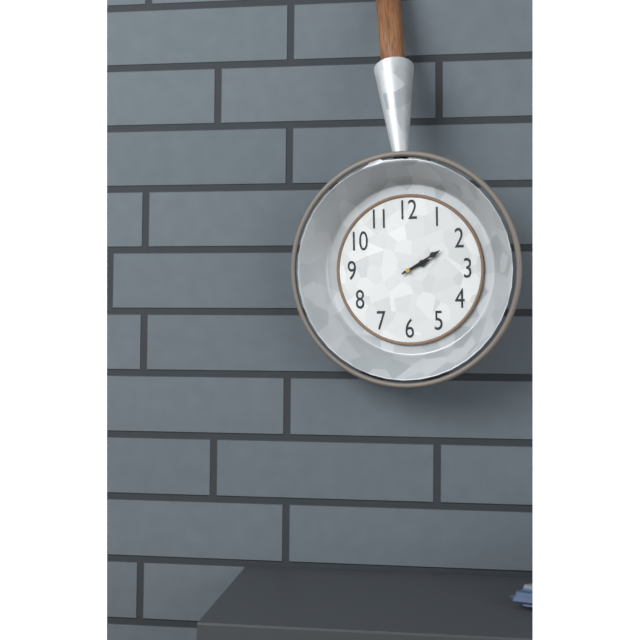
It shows 2.10
